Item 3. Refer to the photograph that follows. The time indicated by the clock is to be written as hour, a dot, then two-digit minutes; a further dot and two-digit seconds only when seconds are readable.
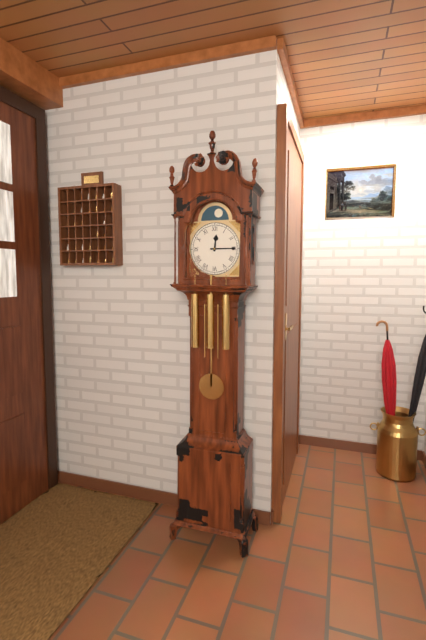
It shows 12.15
